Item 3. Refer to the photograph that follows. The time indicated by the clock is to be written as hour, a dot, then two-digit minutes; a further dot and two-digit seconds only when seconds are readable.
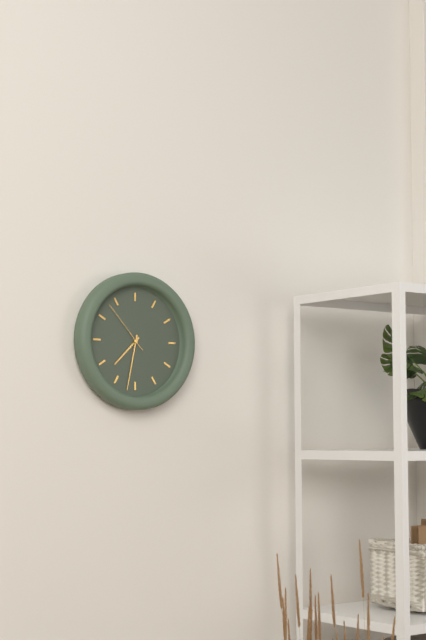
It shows 7.32.53
